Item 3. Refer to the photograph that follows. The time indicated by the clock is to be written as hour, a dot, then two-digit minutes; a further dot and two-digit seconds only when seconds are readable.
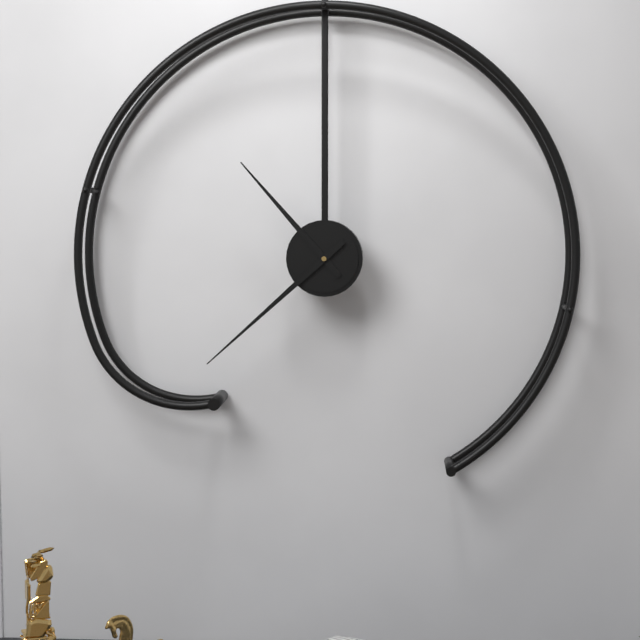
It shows 10.38
